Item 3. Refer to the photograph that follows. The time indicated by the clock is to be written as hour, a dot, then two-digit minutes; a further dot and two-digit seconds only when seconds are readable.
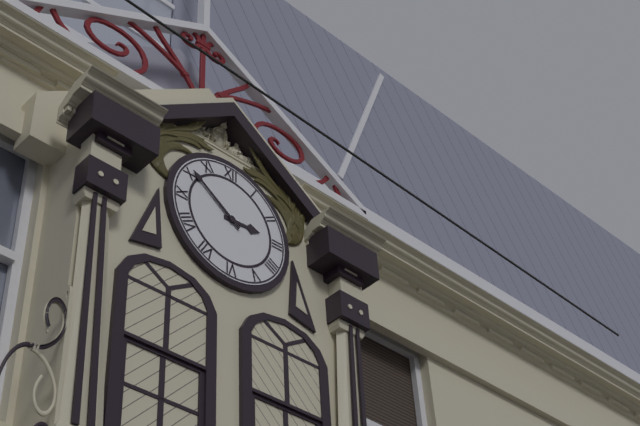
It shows 2.51
